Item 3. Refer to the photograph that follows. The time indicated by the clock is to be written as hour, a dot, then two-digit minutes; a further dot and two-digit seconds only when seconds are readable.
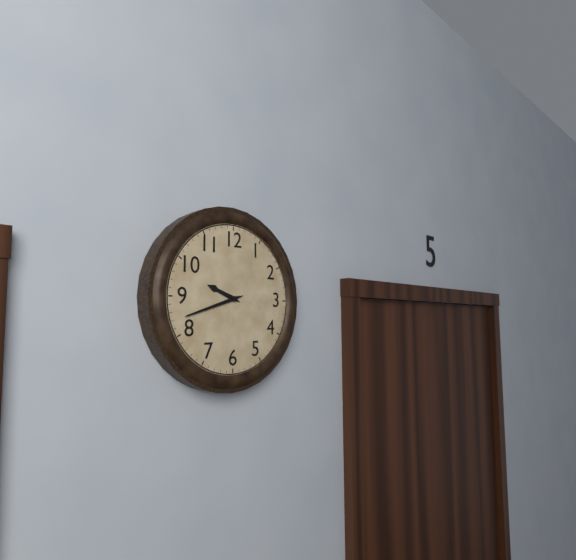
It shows 9.42
